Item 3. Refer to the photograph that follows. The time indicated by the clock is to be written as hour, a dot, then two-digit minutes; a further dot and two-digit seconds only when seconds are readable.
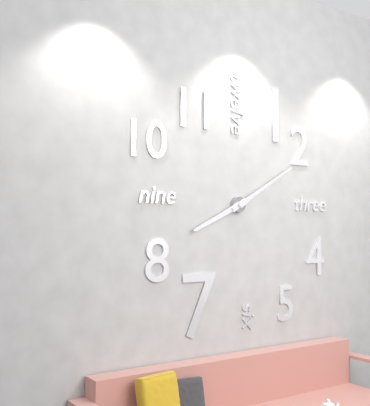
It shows 8.10
